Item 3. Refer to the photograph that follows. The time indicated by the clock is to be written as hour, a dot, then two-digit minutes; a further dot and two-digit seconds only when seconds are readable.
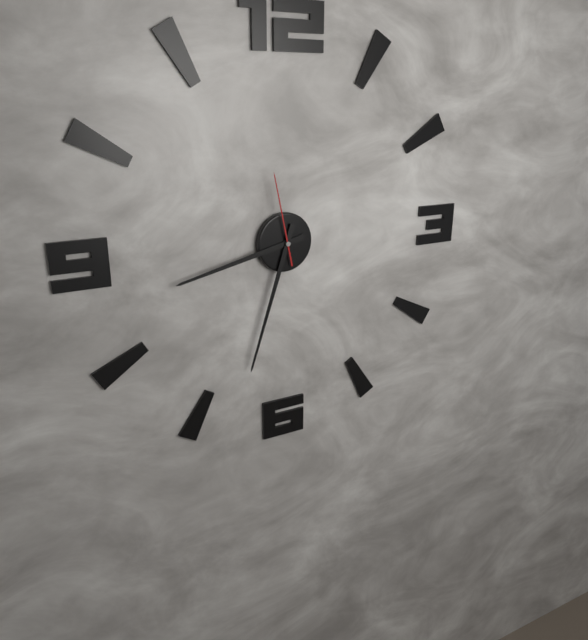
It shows 8.33.58
